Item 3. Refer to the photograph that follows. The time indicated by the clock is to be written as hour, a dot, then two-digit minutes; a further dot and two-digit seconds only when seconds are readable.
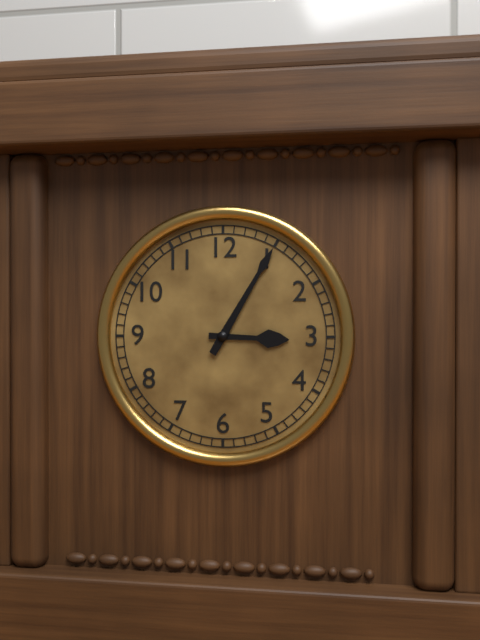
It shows 3.05
